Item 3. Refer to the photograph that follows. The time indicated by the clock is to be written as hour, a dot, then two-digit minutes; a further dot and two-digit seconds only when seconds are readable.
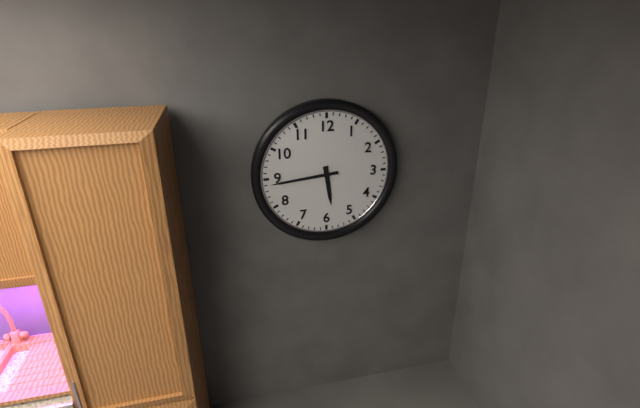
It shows 5.44
